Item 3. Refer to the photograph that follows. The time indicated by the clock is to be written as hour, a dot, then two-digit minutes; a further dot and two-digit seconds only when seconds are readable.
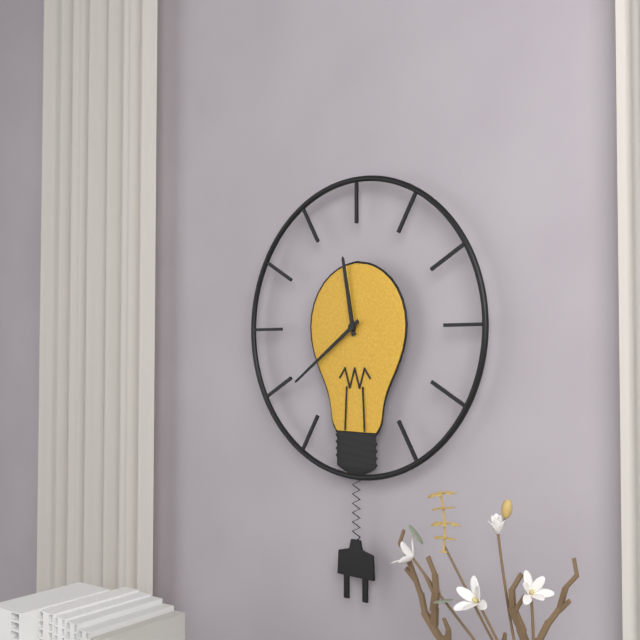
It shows 11.39
